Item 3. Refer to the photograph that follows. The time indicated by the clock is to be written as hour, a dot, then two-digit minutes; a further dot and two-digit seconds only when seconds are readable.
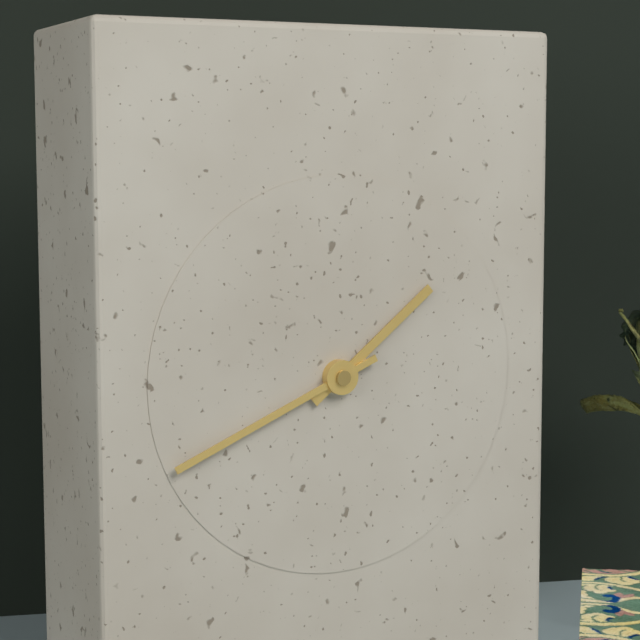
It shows 1.41
